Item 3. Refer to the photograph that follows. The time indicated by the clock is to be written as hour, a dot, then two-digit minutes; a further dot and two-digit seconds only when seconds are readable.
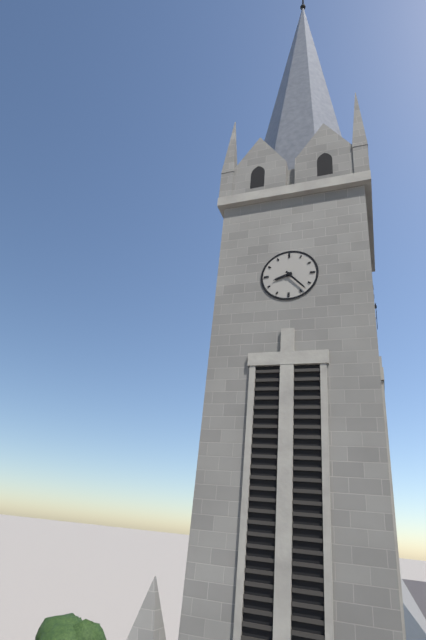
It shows 8.23
